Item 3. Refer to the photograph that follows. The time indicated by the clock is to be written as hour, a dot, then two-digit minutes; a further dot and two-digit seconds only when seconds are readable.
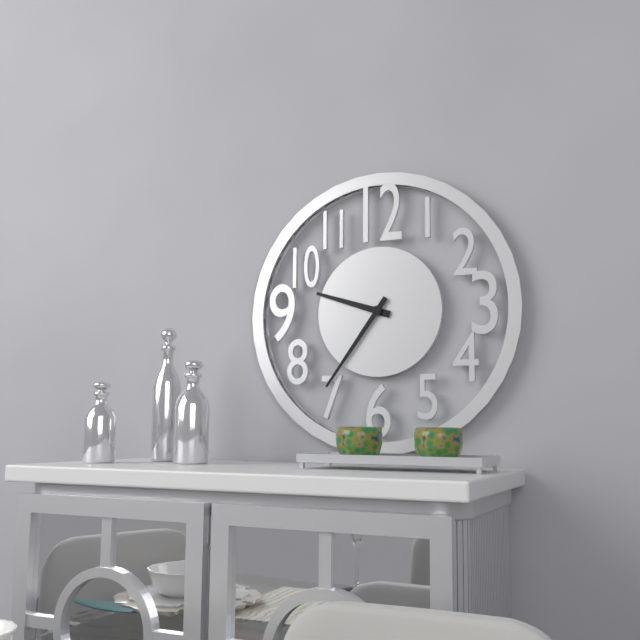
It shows 9.36
